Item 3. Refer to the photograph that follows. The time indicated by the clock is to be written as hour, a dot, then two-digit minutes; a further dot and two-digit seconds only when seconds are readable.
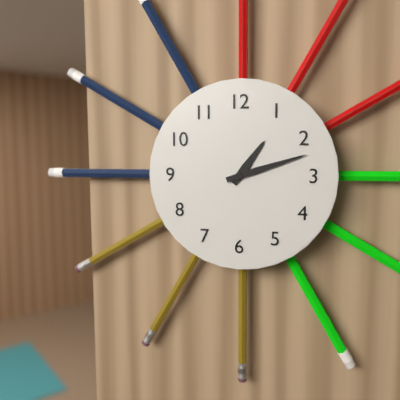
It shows 1.12
